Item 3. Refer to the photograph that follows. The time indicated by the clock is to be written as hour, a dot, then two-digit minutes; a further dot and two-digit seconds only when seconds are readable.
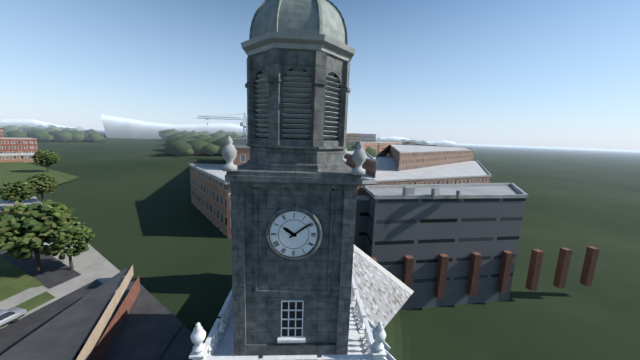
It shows 10.09
